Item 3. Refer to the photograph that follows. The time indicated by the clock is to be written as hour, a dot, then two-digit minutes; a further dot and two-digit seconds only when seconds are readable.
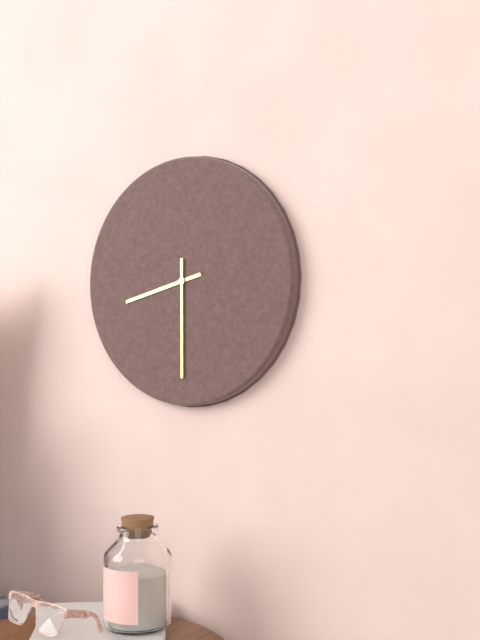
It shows 8.30
